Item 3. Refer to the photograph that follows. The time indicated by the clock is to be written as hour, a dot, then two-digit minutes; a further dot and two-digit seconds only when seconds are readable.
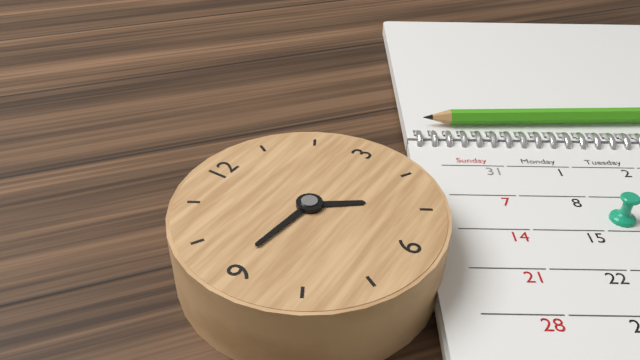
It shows 4.46
